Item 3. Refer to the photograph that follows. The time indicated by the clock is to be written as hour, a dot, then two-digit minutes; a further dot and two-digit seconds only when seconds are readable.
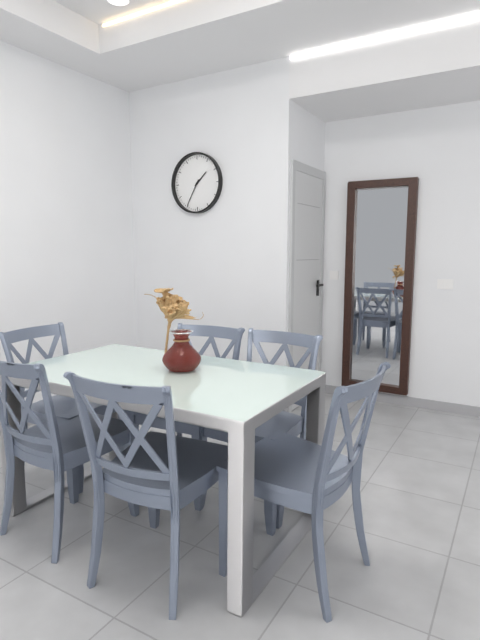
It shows 1.35
